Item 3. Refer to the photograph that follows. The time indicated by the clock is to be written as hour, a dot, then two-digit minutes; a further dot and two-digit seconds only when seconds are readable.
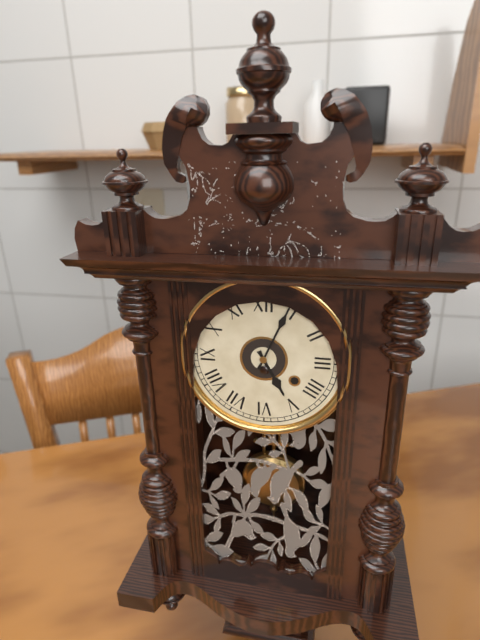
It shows 5.04
